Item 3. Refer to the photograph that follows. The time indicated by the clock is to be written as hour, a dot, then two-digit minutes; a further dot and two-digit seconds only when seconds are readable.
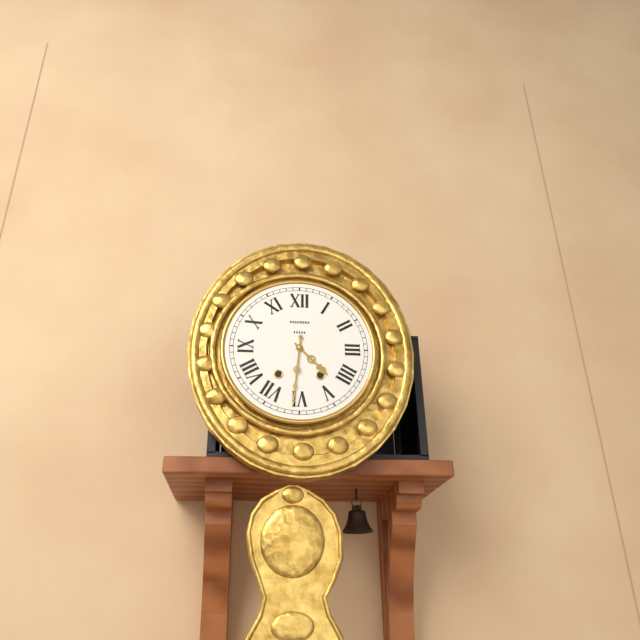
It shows 4.31
